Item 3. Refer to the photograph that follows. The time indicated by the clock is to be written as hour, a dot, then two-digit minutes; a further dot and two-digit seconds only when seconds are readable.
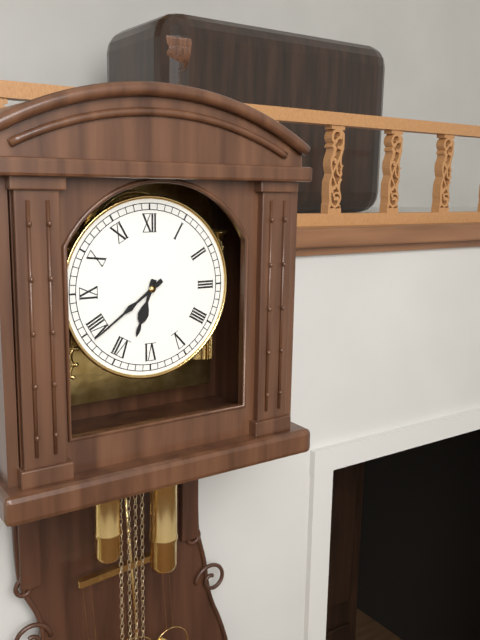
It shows 6.39
